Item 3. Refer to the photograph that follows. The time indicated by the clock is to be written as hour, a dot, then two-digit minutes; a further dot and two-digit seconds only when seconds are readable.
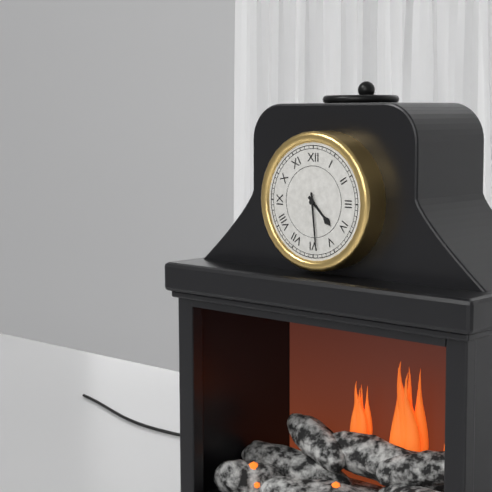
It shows 4.29
